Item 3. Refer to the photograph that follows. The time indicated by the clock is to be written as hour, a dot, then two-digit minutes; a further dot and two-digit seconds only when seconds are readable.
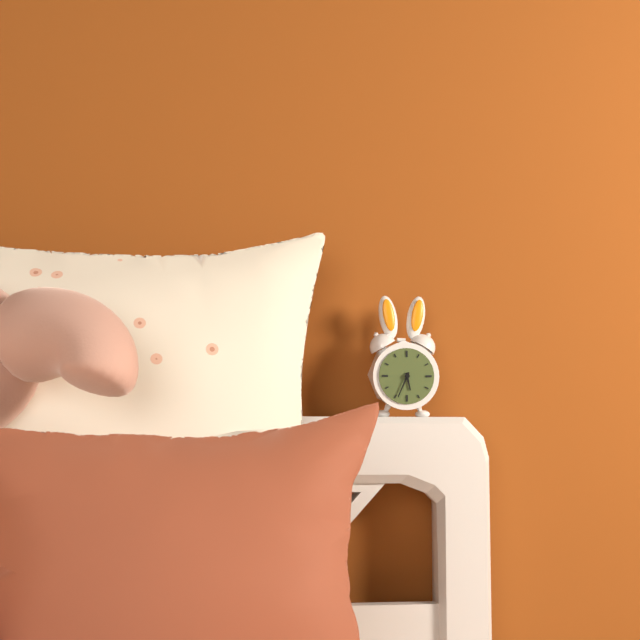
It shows 5.34
